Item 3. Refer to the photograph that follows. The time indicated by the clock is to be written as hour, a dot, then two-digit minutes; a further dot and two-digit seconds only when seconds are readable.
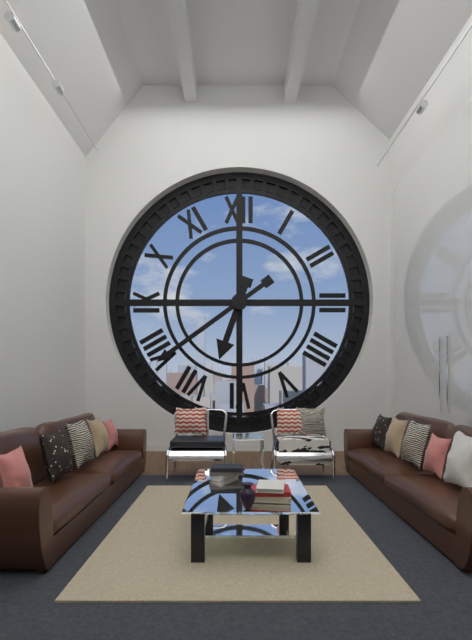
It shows 6.39
